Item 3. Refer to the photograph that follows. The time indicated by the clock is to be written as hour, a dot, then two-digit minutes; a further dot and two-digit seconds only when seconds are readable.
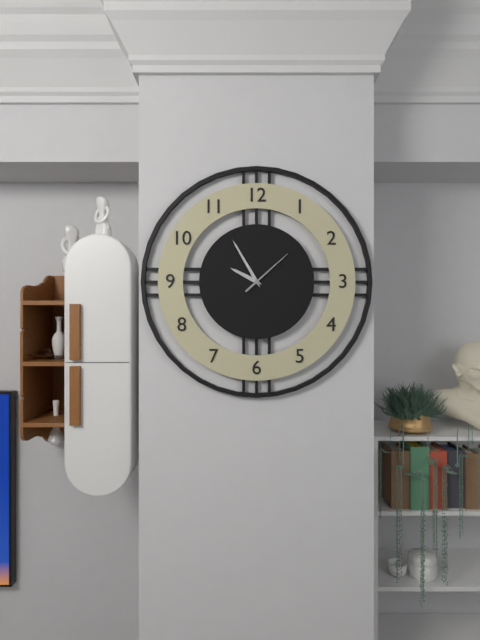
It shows 9.55.08
